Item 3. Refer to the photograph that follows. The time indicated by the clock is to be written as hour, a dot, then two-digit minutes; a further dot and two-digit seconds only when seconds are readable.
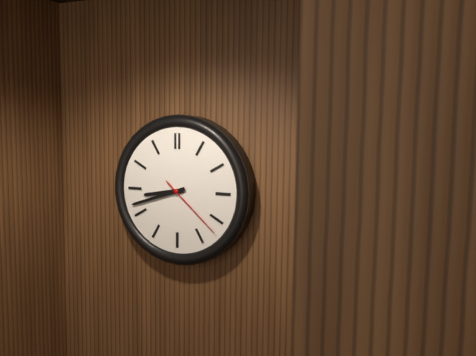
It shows 8.42.22
